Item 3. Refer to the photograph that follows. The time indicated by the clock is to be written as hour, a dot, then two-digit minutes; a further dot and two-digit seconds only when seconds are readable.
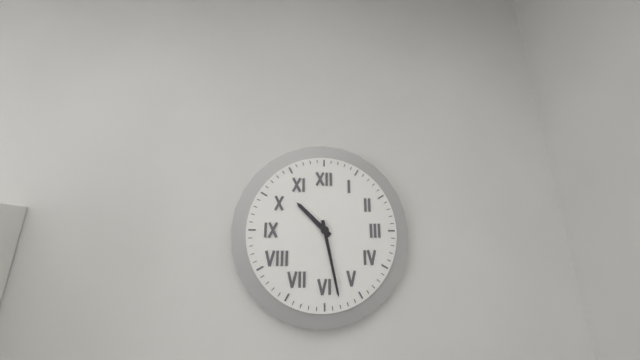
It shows 10.28
